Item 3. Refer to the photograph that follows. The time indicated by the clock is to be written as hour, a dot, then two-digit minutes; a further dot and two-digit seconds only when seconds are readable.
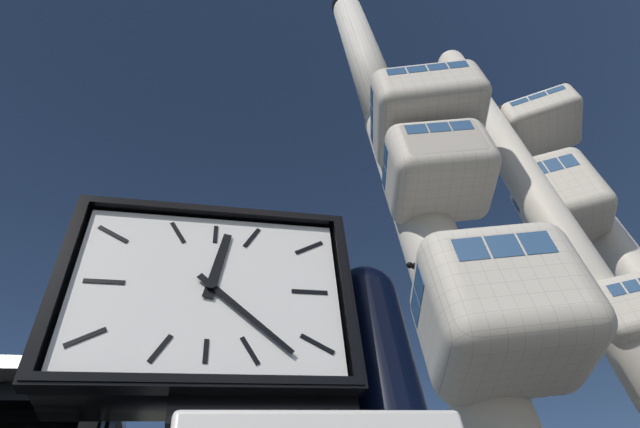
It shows 12.22
